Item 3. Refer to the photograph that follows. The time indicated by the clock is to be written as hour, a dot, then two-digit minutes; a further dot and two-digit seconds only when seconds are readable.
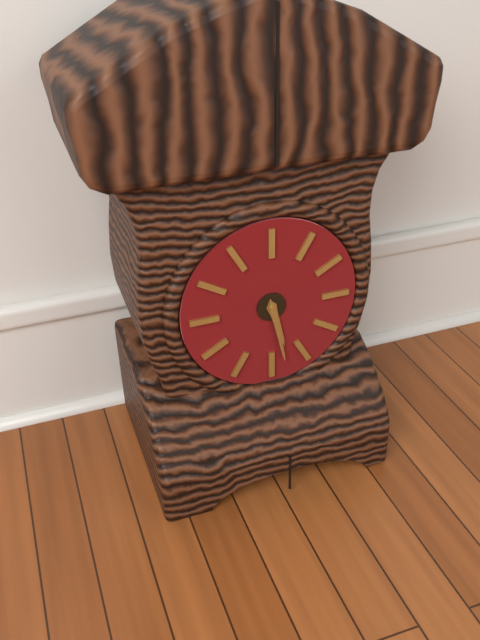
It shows 5.28
